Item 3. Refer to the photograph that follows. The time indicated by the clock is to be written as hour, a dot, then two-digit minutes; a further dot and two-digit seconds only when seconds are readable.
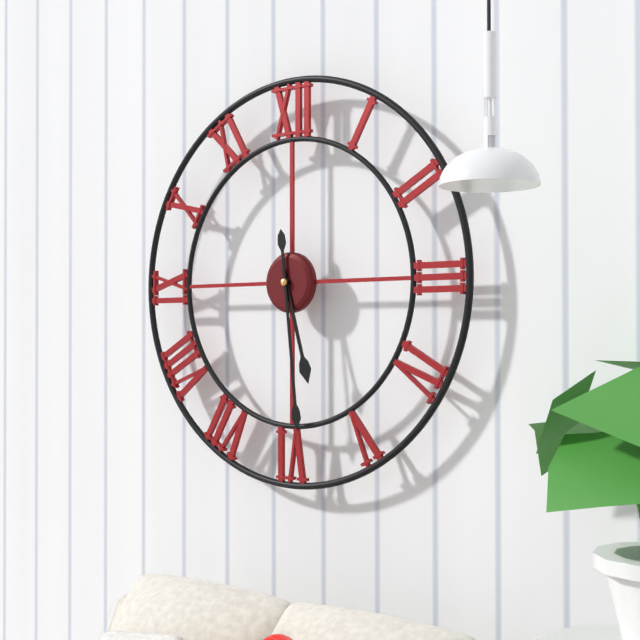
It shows 5.29
